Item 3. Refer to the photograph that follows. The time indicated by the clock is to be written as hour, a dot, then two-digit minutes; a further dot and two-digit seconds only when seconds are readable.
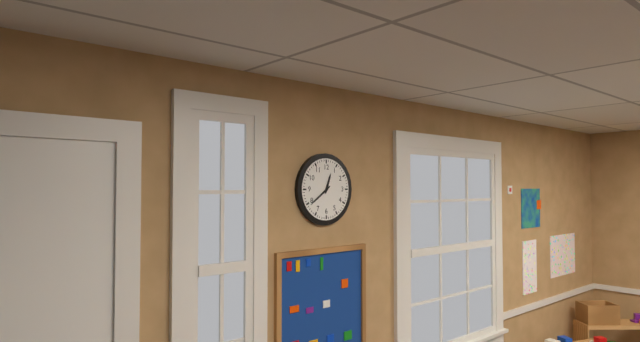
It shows 12.39
